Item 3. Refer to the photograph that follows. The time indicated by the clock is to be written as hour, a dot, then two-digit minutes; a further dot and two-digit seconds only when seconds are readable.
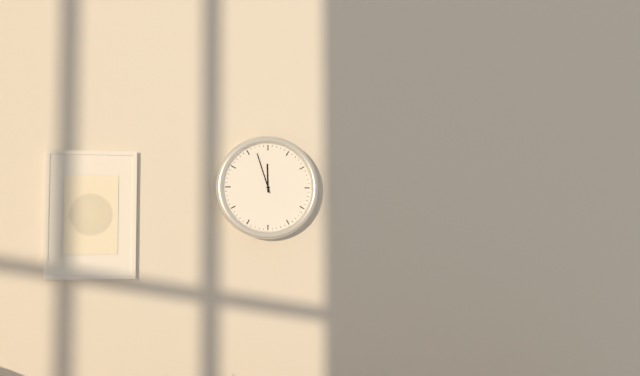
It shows 11.57
